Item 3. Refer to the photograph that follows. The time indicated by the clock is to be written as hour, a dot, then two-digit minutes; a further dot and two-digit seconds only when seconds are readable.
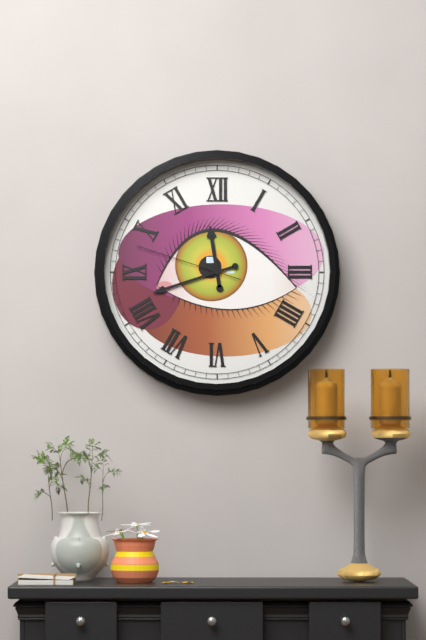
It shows 11.42.48
